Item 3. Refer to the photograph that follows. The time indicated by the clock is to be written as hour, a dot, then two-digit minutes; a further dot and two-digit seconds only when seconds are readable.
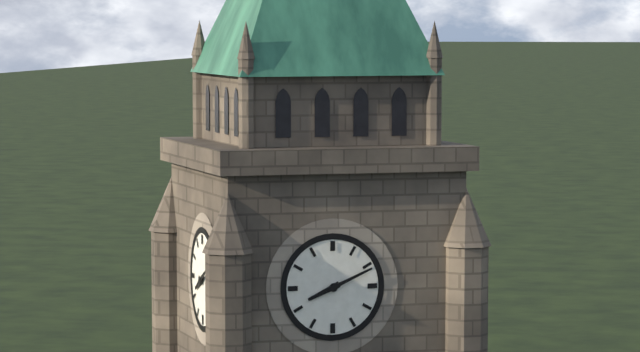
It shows 8.11
